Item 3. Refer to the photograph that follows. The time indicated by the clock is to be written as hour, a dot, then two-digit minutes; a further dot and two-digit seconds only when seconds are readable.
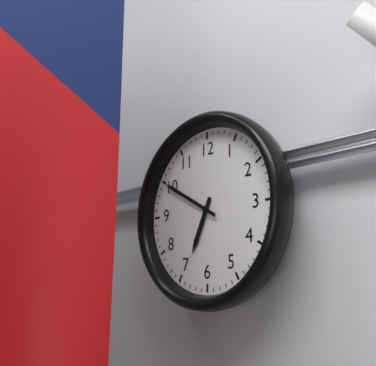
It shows 6.50
